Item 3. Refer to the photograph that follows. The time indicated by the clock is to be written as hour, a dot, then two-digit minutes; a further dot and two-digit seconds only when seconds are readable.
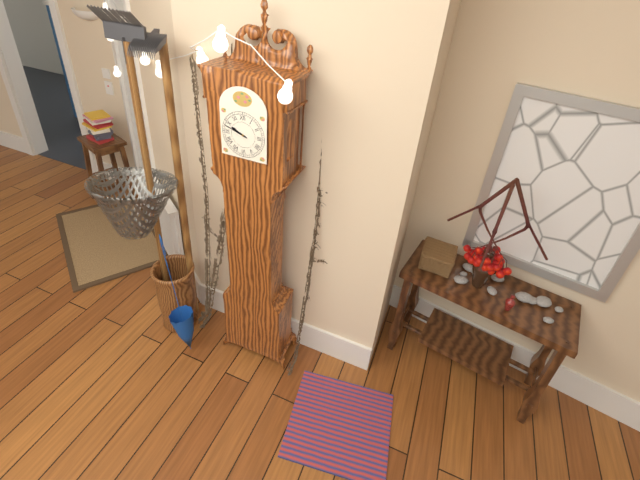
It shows 9.48
